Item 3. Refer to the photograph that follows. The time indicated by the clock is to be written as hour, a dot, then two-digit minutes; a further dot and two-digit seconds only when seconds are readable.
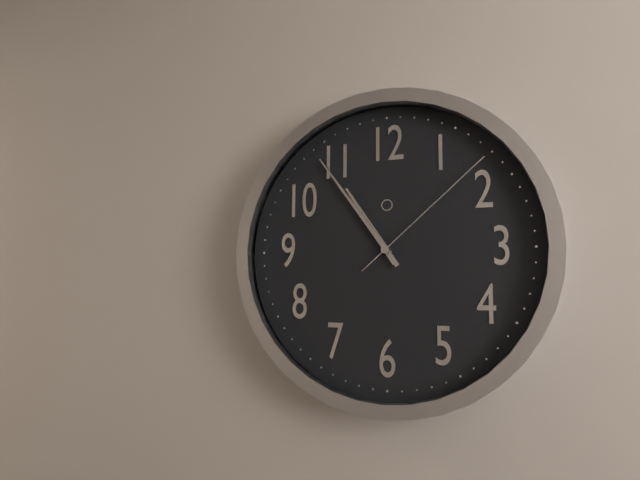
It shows 10.54.08
